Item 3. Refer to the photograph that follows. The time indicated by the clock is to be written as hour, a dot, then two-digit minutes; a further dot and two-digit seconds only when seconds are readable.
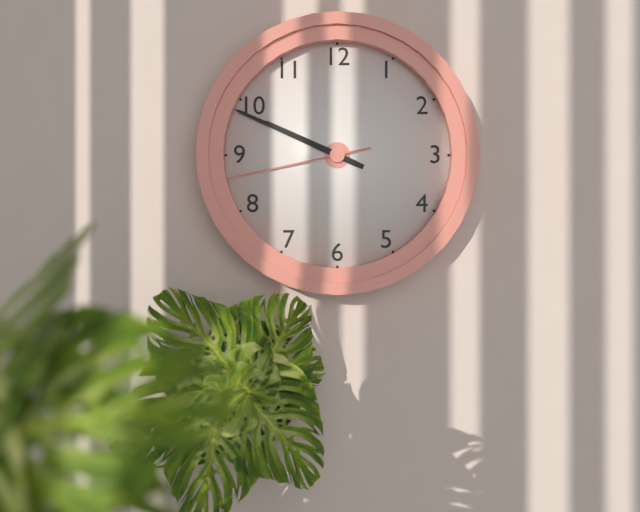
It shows 9.49.43
